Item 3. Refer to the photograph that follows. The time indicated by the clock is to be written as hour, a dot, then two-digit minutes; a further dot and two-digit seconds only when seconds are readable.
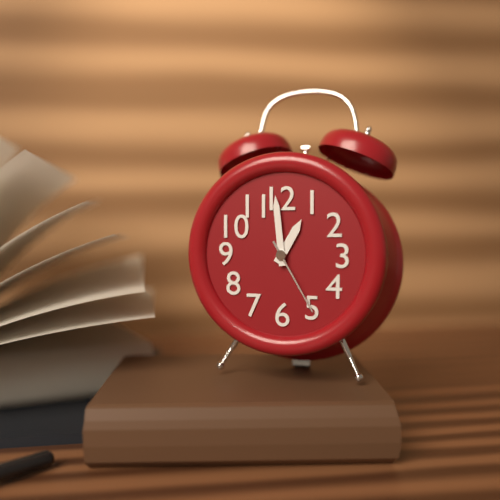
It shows 12.59.25
